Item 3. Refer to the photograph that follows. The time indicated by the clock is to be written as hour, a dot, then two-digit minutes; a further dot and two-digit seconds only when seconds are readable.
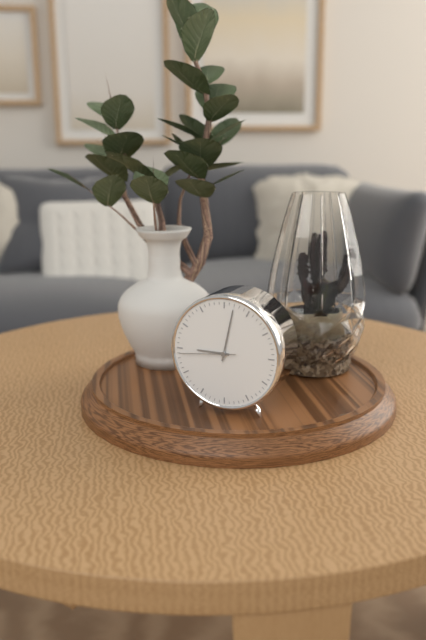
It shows 9.02.44
